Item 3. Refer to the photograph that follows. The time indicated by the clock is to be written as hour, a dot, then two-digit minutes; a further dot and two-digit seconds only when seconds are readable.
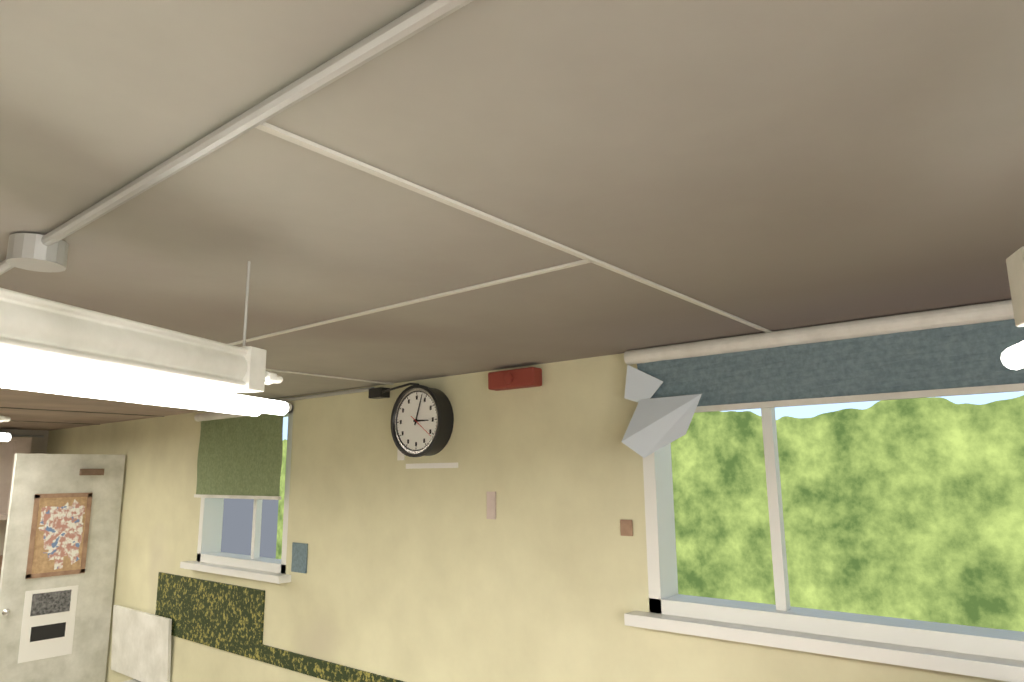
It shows 3.03
